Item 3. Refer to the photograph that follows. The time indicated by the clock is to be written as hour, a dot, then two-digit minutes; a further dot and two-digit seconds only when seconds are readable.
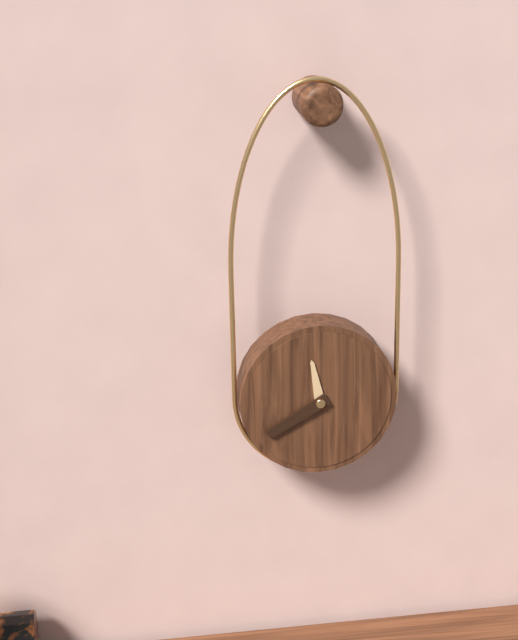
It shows 11.40
